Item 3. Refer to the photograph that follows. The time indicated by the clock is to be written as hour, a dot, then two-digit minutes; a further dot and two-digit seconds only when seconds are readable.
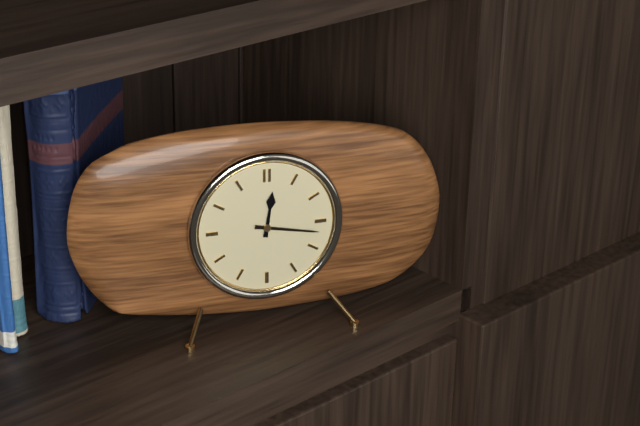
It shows 12.17
